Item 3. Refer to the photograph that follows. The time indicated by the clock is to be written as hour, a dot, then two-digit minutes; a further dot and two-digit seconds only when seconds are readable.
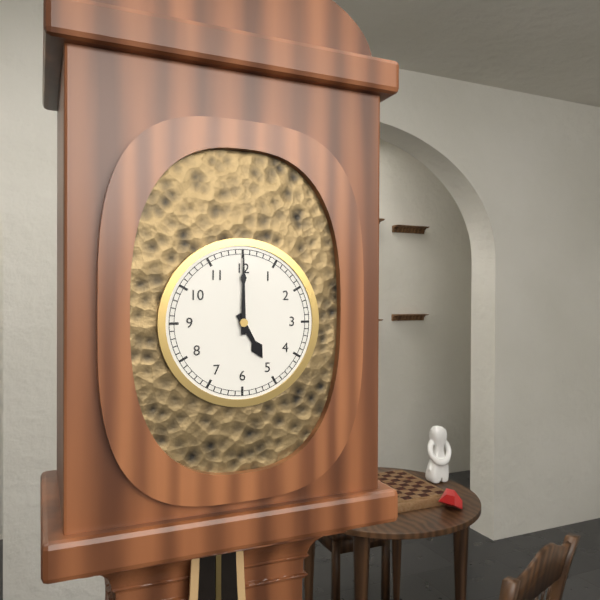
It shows 5.00
